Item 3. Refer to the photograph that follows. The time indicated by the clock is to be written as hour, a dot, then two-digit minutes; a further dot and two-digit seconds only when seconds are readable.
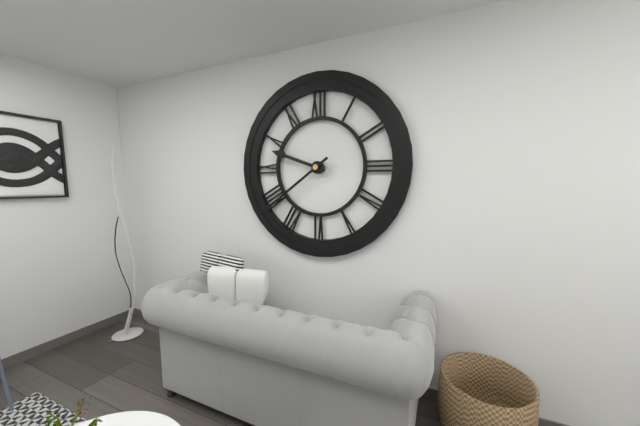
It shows 9.39
